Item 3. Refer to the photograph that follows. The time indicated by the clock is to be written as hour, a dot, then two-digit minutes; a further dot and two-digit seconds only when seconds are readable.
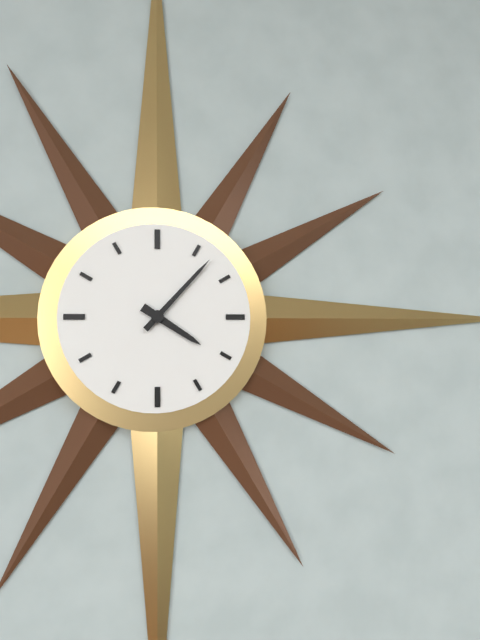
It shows 4.07
